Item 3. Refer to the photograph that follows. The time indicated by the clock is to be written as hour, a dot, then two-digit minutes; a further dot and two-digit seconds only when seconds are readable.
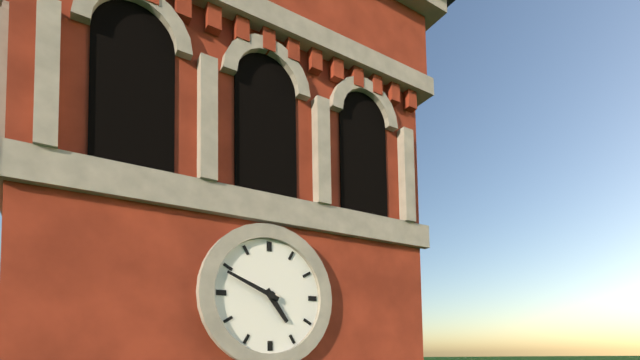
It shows 4.49
